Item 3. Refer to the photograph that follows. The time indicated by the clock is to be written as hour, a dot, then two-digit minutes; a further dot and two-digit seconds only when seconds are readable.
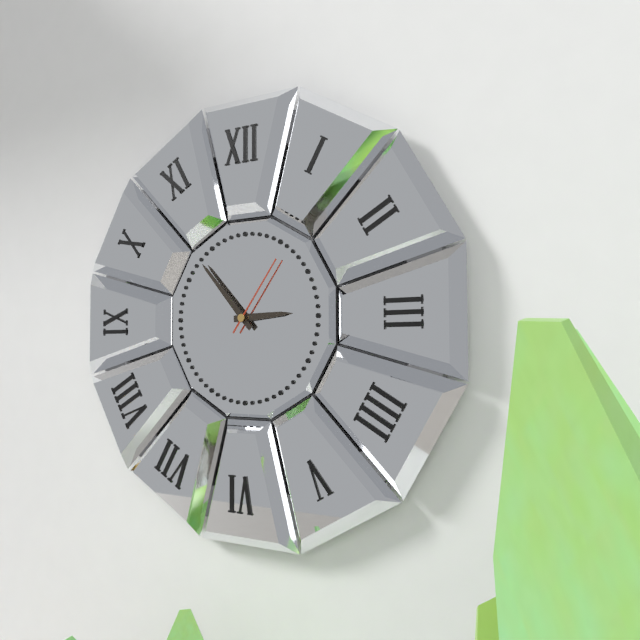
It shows 2.53.06
